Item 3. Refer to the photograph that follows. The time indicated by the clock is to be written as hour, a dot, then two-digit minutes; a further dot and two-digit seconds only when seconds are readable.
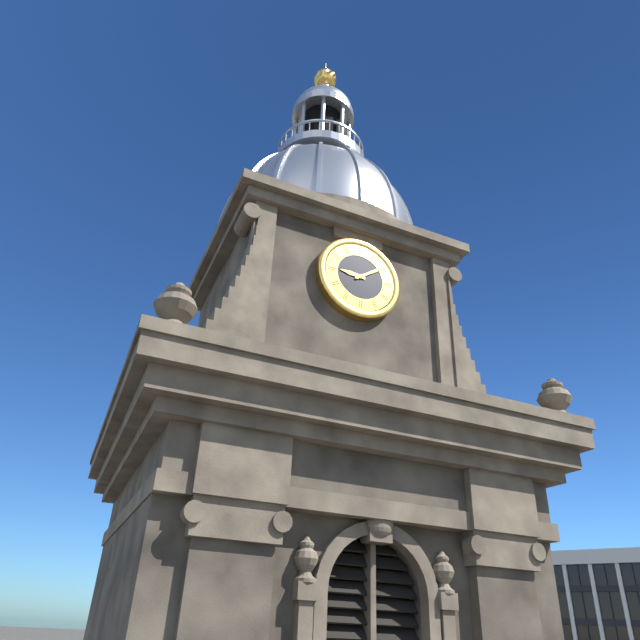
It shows 9.09
